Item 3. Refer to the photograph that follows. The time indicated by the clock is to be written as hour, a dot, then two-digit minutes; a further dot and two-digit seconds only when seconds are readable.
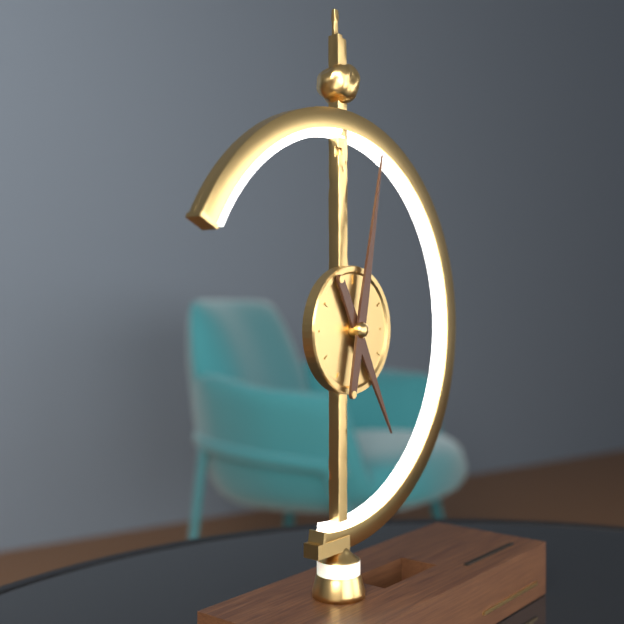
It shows 5.02
